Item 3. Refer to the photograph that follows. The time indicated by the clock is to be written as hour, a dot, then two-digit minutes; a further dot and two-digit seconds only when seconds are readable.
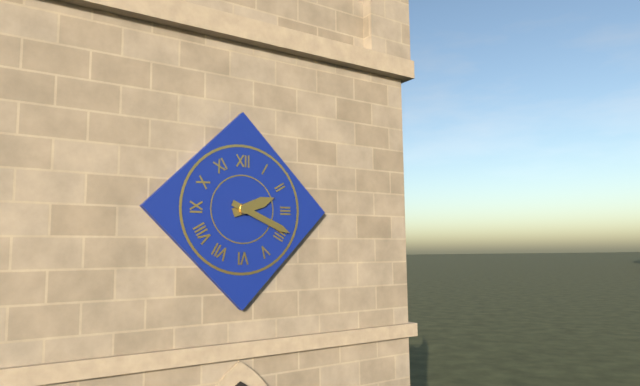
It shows 2.19
